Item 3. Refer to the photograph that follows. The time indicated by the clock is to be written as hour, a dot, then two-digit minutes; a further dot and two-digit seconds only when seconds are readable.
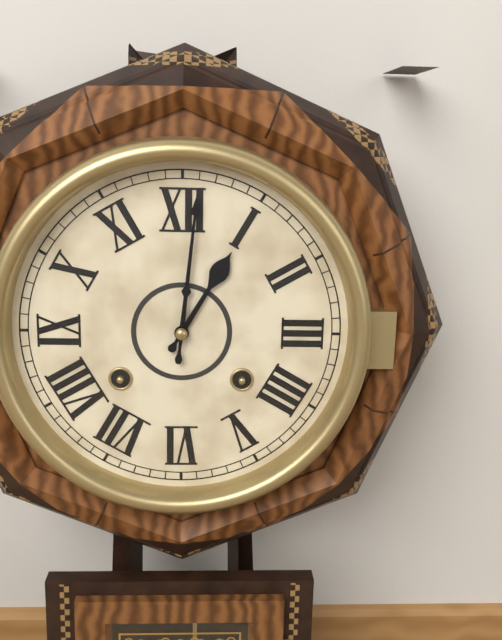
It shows 1.01
